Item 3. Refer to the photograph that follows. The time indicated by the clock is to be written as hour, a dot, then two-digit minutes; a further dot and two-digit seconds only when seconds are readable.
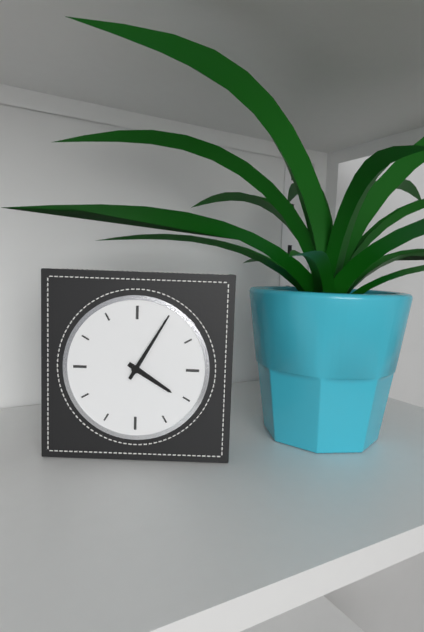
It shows 4.05
